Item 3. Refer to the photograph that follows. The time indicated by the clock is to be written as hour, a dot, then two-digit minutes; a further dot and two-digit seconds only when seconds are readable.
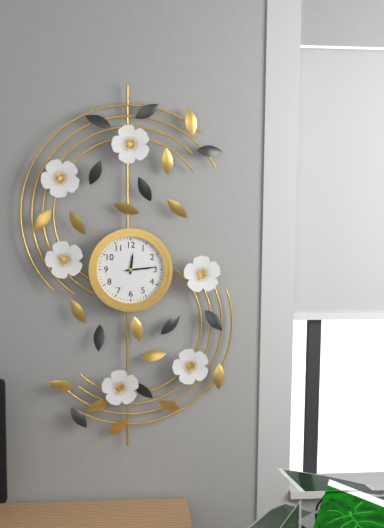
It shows 12.14
